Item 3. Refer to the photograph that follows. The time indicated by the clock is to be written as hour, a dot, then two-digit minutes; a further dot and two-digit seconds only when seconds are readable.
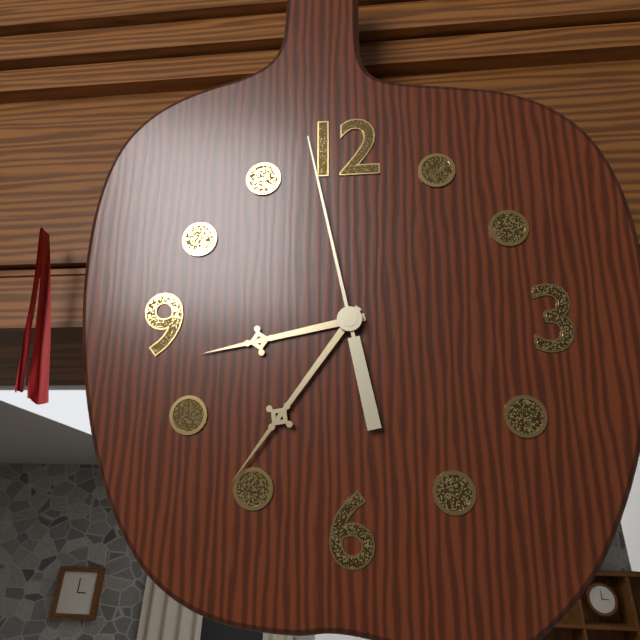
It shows 8.36.58
